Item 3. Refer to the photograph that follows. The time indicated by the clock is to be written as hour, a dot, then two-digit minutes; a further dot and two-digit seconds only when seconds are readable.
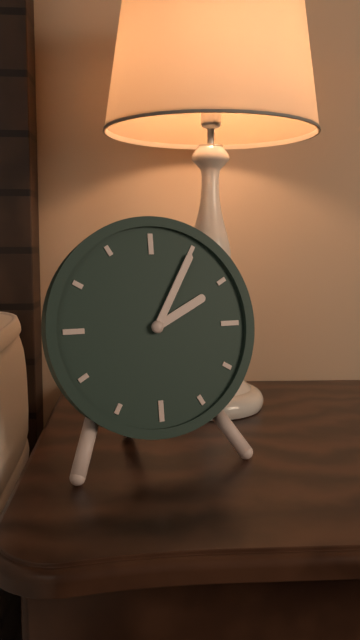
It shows 2.05
